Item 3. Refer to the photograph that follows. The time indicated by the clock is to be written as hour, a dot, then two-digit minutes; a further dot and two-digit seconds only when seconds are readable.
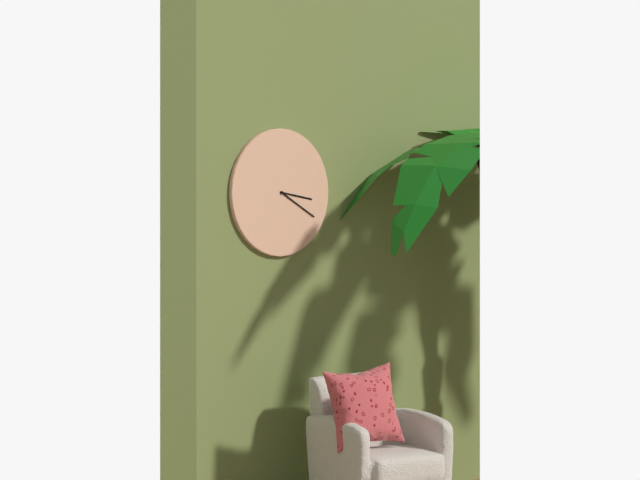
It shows 3.20
